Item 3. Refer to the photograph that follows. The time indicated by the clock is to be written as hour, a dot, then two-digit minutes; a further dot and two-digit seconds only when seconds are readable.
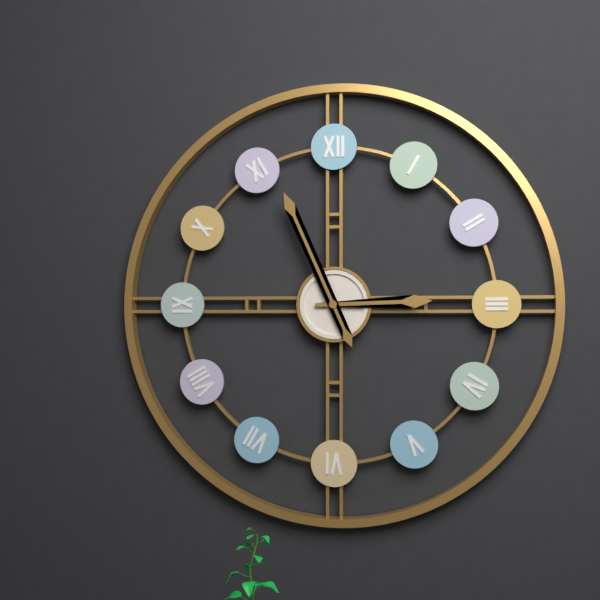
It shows 2.56
